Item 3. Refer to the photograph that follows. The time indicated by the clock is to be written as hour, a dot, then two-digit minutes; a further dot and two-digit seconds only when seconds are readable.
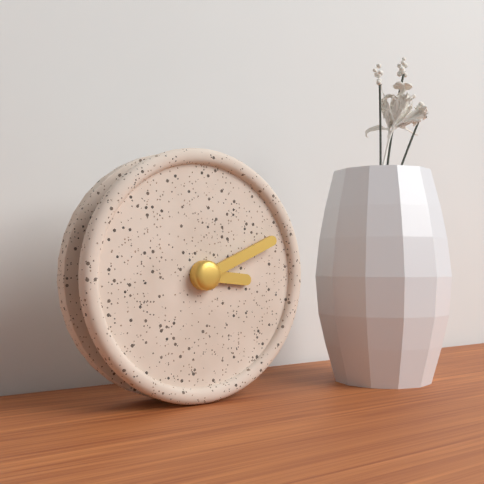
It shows 3.11
